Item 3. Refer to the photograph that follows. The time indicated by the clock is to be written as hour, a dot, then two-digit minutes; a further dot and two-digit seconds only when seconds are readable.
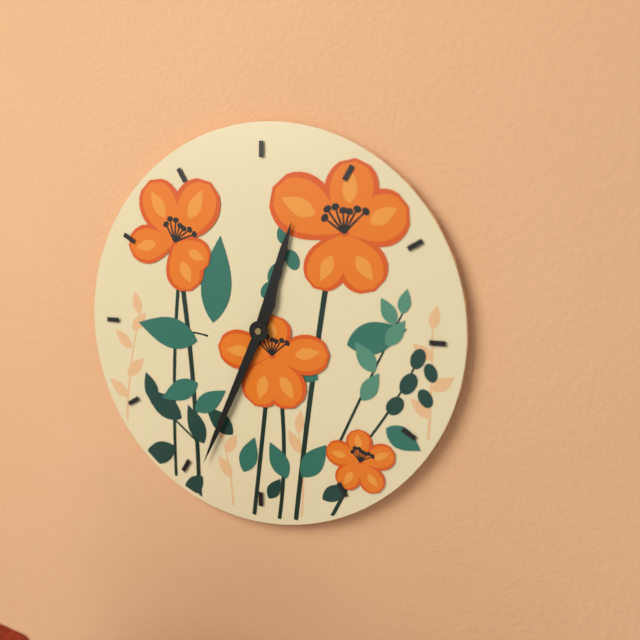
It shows 12.34
